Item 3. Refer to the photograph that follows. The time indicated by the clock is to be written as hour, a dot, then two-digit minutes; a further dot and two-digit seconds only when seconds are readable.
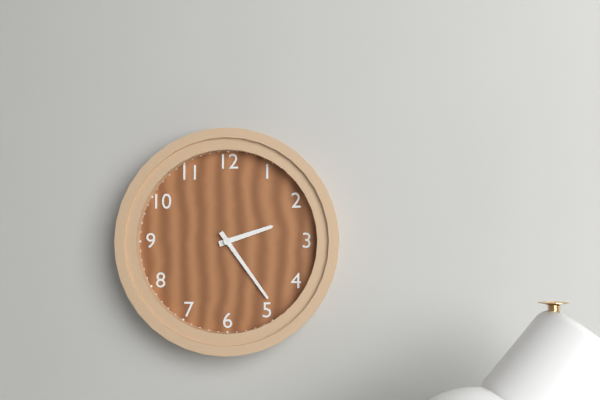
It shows 2.24
